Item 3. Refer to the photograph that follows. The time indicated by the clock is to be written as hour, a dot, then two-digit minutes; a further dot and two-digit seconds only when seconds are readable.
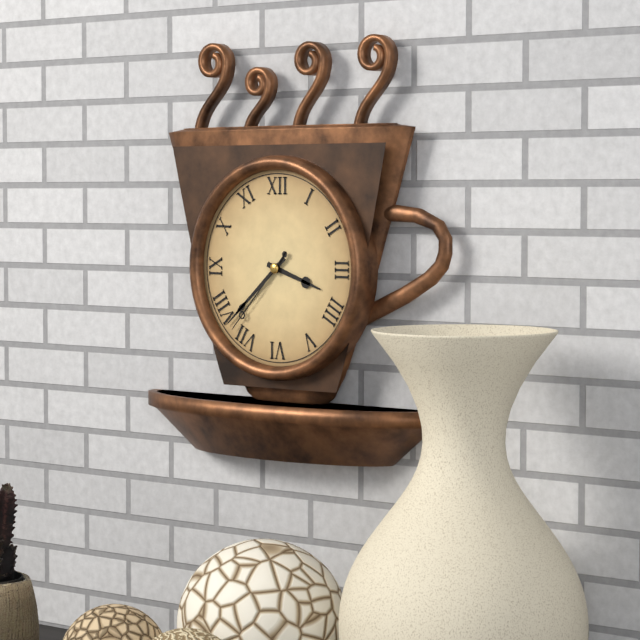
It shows 3.38.37
